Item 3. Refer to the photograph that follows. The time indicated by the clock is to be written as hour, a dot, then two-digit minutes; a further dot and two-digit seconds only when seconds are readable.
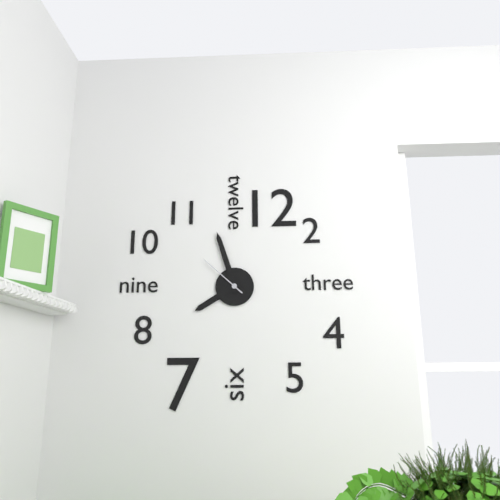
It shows 7.57.52
